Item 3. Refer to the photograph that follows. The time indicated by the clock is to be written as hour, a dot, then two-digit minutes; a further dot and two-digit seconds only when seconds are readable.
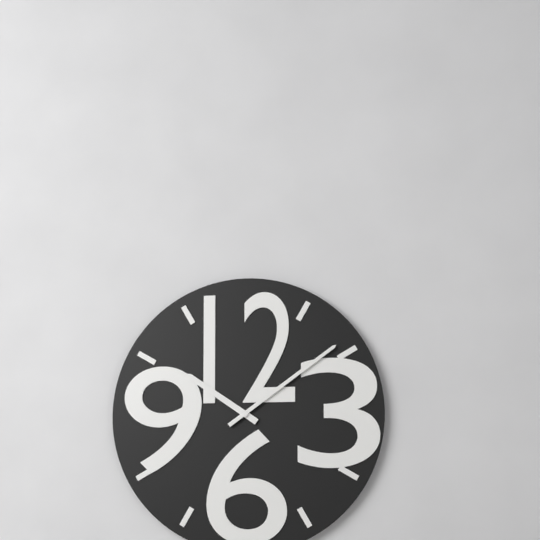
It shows 10.09
